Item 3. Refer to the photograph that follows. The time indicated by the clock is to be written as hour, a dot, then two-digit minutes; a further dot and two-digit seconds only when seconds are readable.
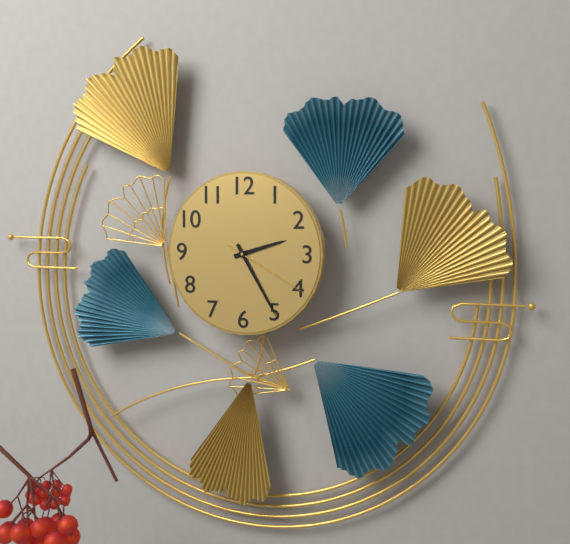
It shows 2.25.20
